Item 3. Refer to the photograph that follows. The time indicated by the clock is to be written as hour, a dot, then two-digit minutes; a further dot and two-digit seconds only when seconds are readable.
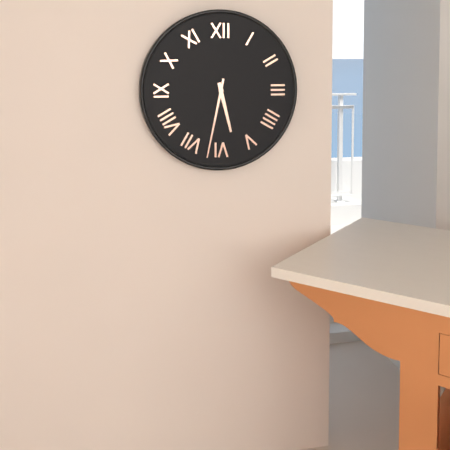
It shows 5.32
